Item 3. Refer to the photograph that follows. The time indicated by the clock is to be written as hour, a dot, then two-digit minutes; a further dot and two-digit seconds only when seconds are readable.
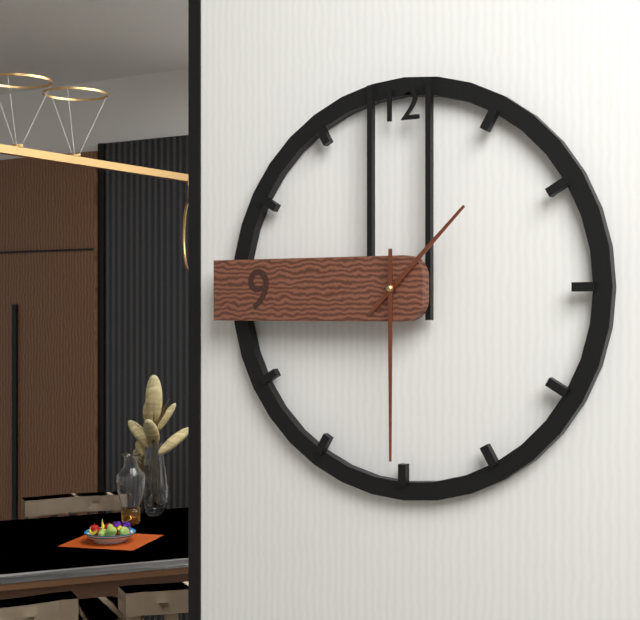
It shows 1.30
